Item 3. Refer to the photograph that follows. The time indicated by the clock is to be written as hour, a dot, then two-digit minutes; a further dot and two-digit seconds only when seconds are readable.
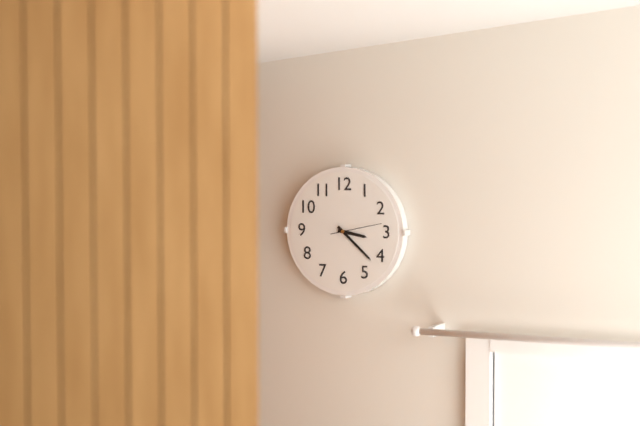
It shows 3.22
